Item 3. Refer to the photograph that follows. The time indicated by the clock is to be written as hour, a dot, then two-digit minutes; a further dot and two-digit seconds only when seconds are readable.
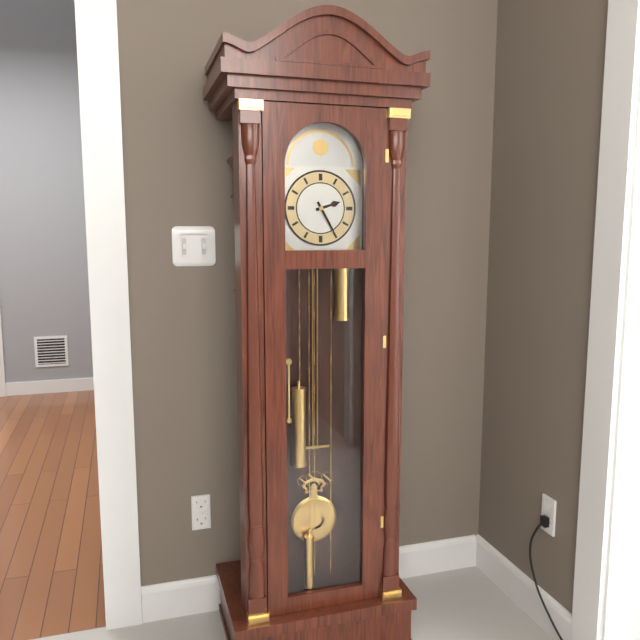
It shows 2.25
